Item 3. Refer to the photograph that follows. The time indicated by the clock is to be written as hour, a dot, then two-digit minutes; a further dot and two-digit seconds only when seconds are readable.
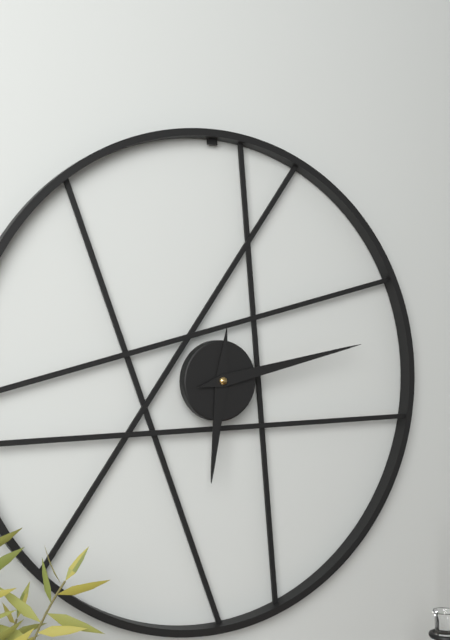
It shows 6.13
